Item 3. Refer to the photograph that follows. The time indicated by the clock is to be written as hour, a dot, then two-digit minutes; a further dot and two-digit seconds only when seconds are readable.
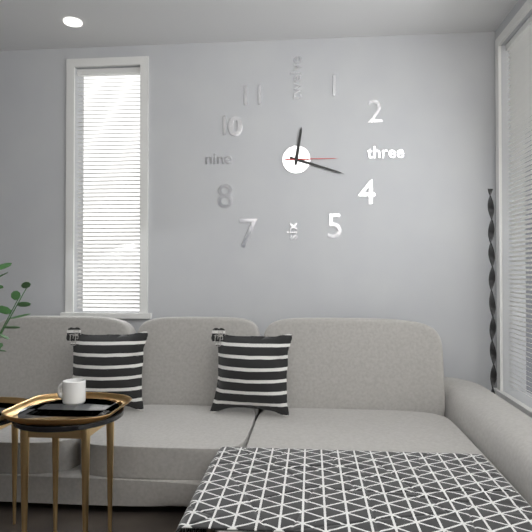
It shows 12.18.15
